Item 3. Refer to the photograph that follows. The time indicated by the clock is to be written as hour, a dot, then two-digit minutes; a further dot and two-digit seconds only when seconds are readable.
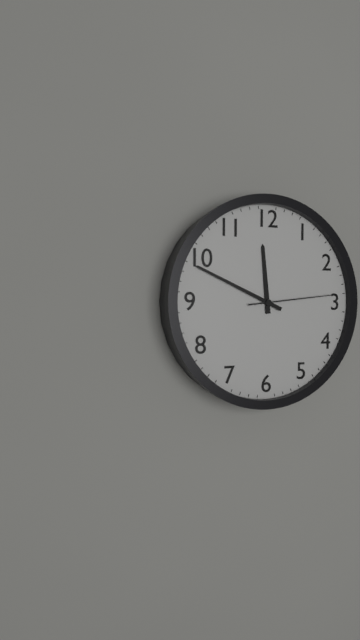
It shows 11.49.14
